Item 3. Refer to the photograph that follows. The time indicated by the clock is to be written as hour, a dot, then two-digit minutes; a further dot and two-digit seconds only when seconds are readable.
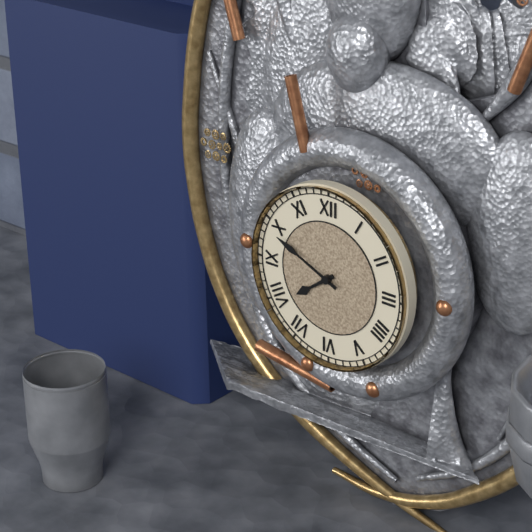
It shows 7.49
